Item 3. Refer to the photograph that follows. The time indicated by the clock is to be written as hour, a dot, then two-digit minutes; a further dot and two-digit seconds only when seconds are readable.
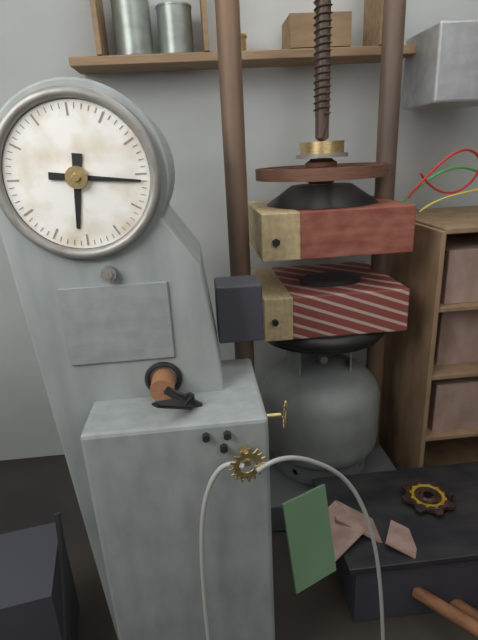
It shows 6.16
